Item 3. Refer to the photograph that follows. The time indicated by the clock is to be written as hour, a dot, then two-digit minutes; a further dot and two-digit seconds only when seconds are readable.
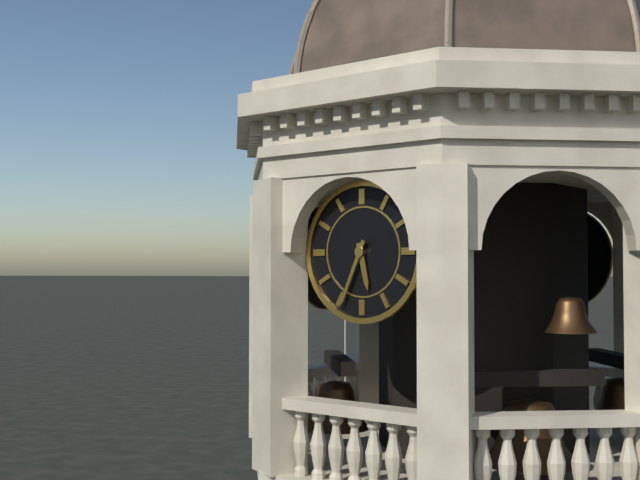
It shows 5.34
